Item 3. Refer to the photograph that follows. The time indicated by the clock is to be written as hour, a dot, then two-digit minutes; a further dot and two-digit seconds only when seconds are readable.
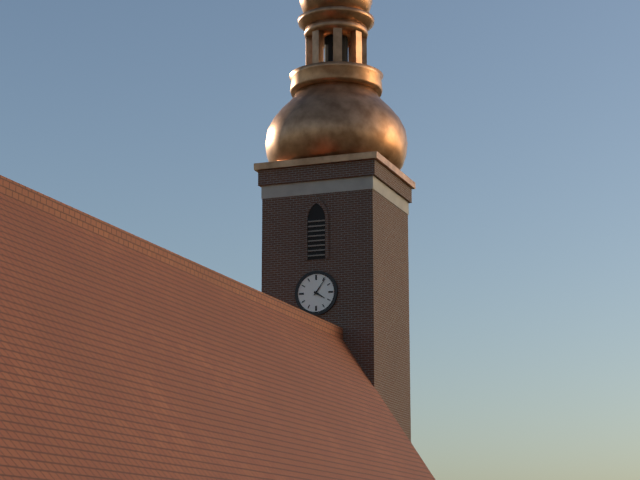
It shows 4.06
